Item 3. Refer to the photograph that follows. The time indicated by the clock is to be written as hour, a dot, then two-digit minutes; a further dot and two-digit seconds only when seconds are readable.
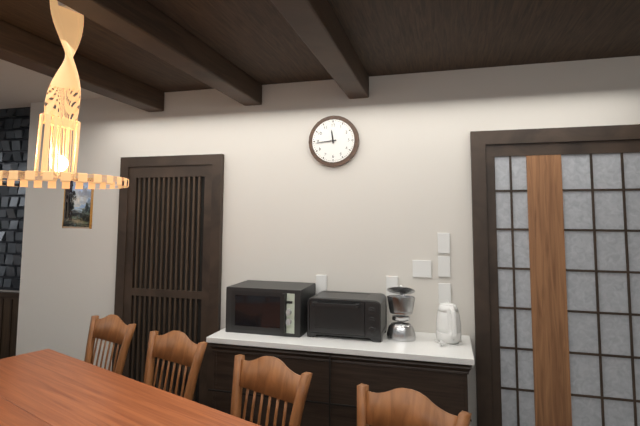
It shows 11.44
